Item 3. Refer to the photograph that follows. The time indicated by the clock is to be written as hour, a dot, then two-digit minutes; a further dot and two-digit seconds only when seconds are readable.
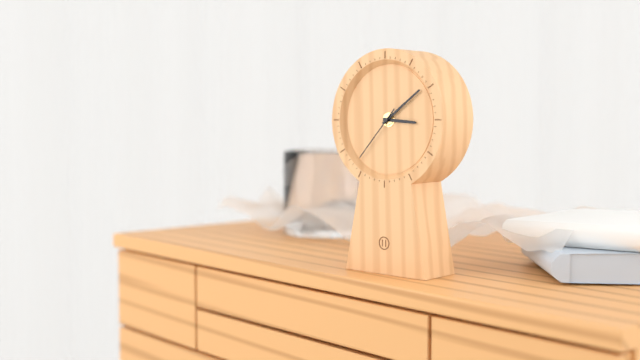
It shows 3.09.37
